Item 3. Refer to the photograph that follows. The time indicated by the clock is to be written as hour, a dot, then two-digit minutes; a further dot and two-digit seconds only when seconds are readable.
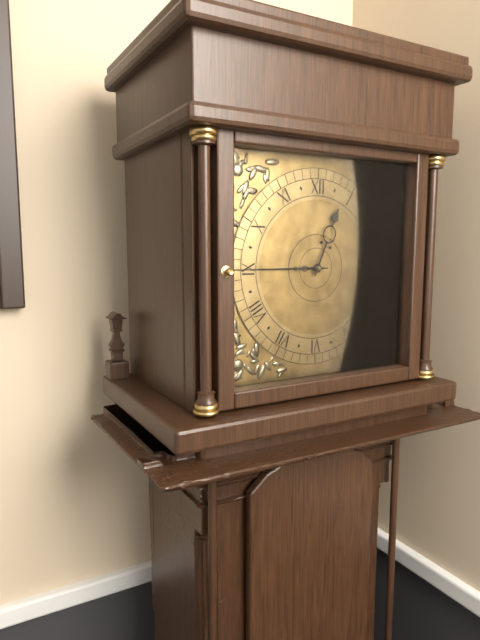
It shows 12.45
